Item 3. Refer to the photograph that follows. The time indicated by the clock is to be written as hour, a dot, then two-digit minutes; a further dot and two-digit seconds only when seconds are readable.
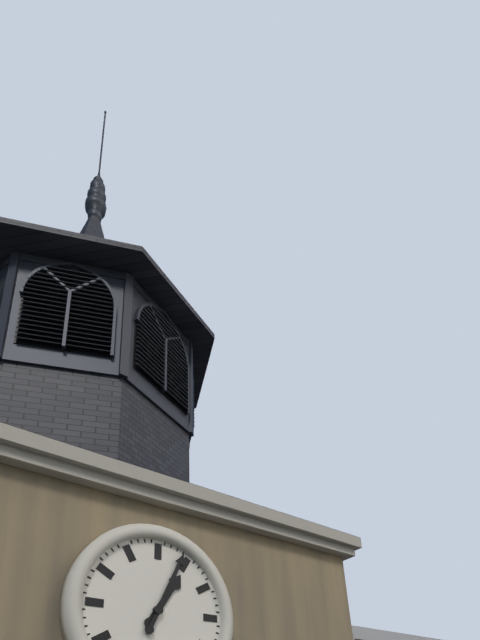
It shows 1.04
